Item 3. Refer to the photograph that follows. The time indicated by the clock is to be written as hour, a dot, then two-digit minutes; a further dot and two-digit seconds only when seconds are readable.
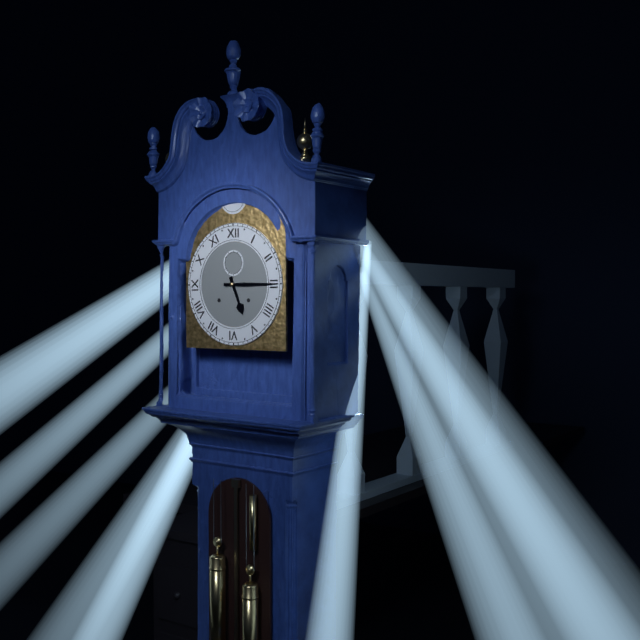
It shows 5.15
